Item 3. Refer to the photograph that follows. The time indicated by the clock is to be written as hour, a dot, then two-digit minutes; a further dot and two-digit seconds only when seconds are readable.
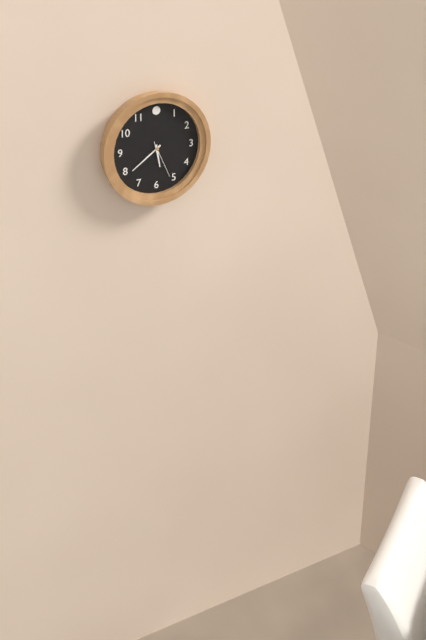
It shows 5.39
